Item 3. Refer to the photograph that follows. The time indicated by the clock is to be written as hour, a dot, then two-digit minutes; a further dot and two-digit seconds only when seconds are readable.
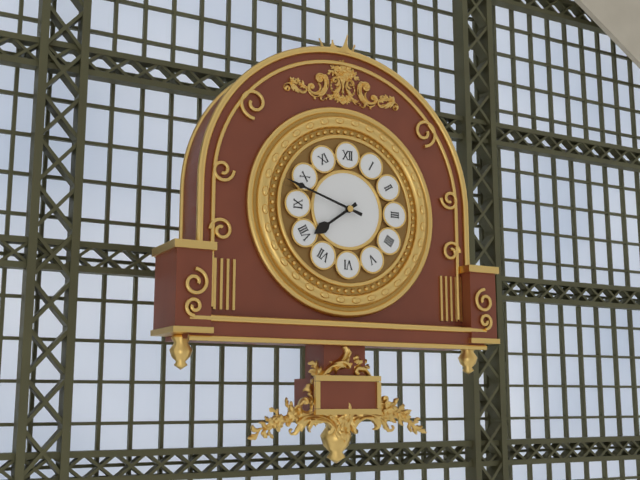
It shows 7.48
